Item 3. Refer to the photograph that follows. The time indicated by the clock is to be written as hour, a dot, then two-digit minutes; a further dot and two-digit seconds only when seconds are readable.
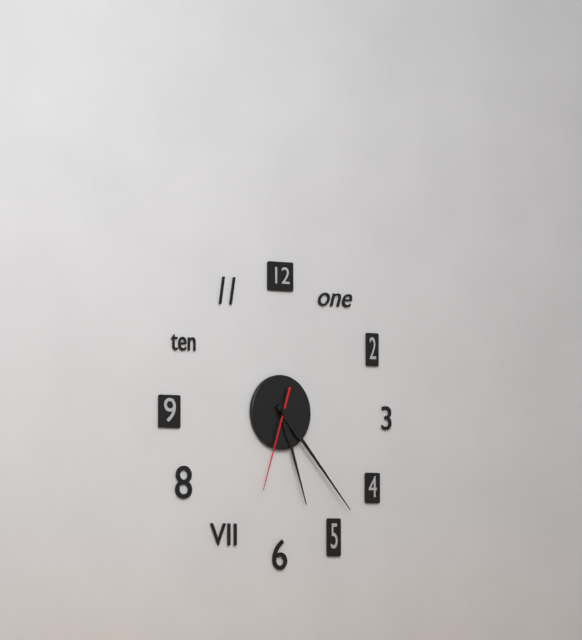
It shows 5.23.33
